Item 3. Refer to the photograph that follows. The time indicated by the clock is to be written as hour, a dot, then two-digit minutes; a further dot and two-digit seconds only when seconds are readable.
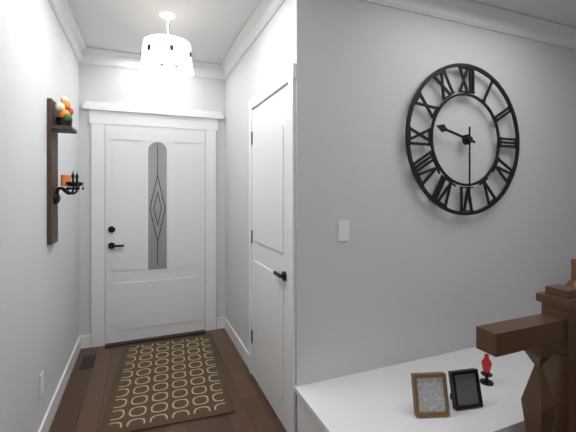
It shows 9.30
